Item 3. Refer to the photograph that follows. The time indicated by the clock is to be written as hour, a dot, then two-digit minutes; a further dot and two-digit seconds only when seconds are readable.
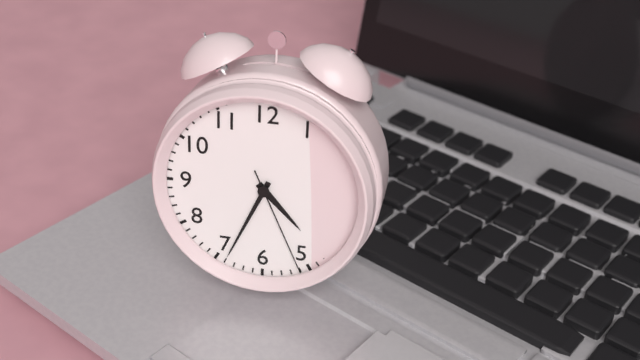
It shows 4.34.26
